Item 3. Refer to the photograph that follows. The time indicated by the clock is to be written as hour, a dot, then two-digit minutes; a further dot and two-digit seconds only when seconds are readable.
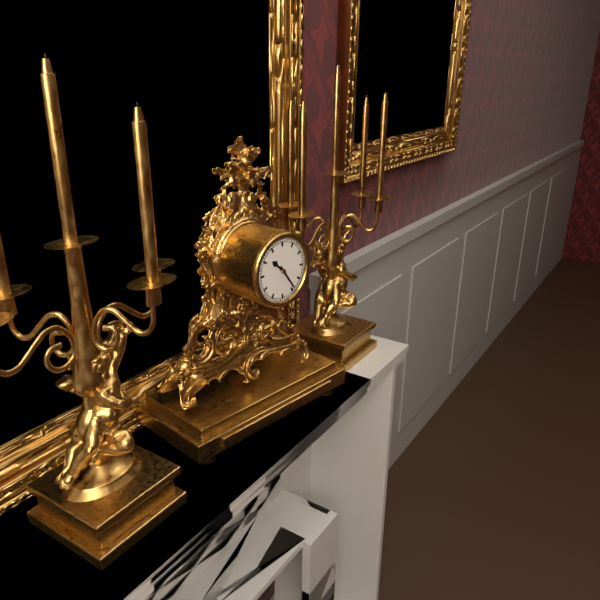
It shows 10.24
